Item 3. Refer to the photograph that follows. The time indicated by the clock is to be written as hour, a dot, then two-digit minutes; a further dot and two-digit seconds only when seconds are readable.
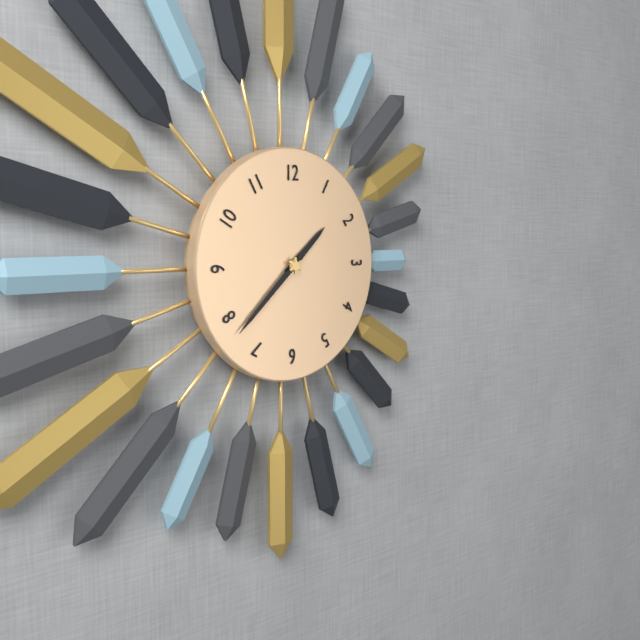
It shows 1.38
